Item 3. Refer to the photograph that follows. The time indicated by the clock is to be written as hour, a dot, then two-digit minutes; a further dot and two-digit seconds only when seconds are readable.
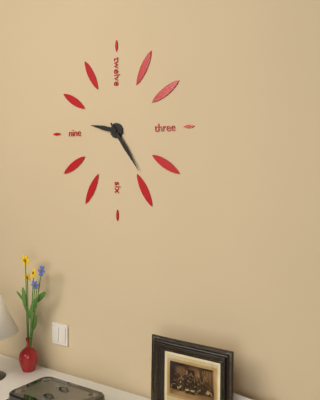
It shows 9.24
